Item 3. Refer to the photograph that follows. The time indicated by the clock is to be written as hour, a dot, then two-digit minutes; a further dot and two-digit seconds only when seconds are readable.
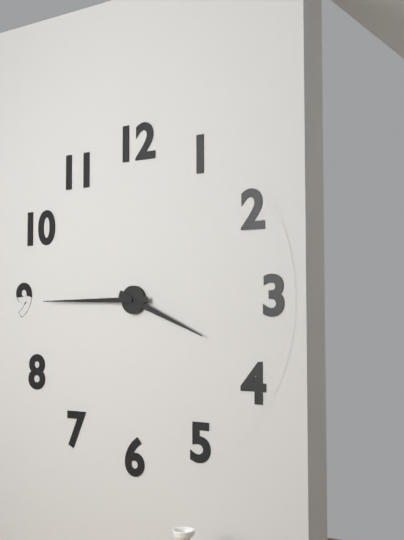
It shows 3.45
